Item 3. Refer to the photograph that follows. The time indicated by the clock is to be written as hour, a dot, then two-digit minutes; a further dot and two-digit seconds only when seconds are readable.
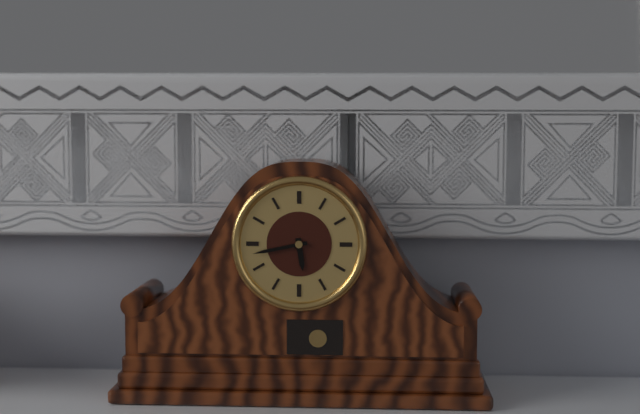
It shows 5.43
